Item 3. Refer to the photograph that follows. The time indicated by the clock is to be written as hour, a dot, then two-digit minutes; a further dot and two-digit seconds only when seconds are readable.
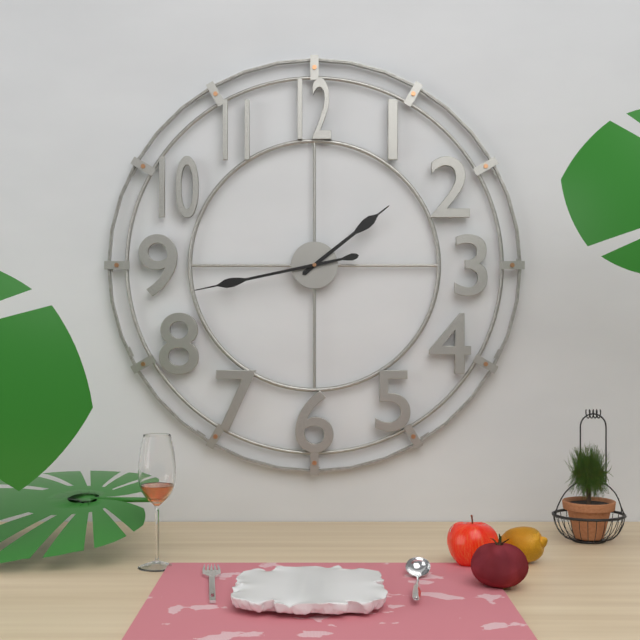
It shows 1.43
